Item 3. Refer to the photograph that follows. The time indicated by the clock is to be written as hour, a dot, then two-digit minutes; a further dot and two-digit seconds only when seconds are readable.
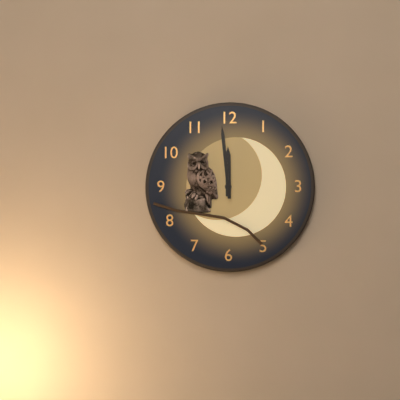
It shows 11.59
